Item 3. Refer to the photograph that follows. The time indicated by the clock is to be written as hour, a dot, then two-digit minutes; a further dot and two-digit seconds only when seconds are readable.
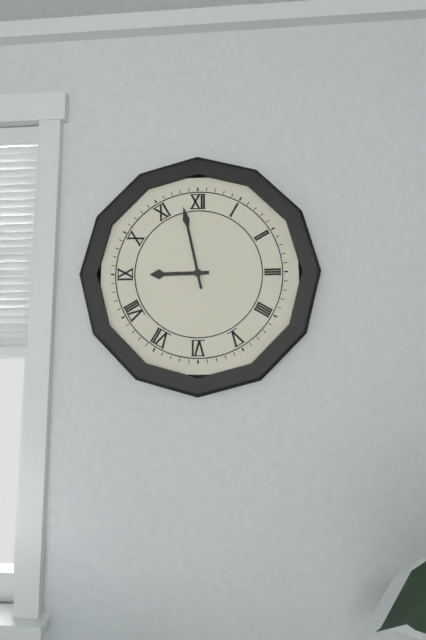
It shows 8.58
